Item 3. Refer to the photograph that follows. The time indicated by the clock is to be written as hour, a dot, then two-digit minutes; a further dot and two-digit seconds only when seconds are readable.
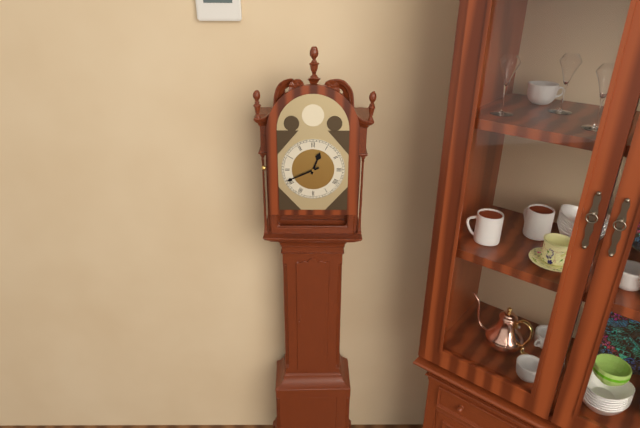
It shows 12.41
